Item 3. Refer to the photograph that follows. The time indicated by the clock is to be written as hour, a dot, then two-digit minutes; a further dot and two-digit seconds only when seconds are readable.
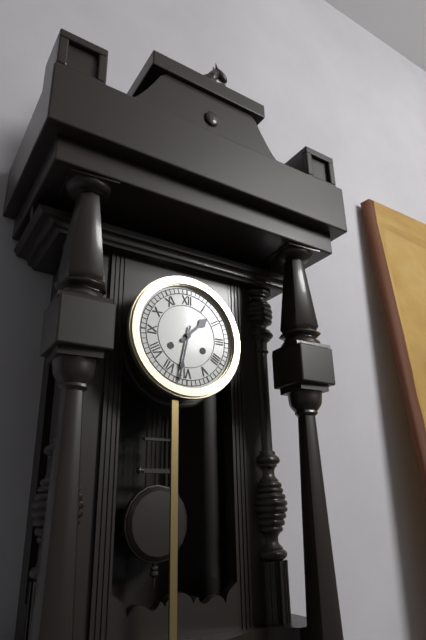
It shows 1.32
